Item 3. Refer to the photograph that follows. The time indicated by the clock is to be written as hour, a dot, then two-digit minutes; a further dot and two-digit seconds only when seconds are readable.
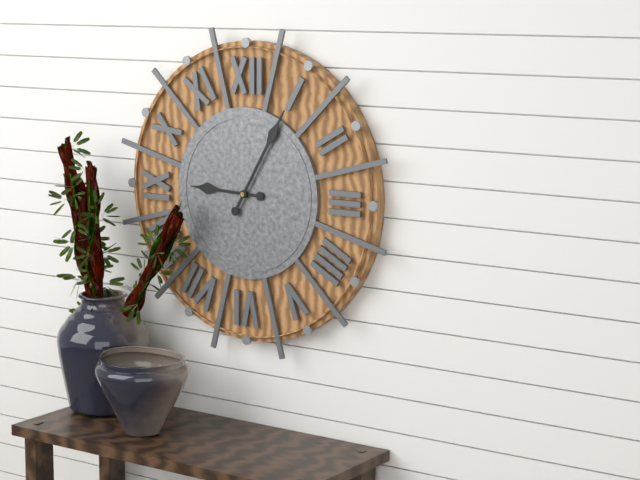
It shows 9.05
